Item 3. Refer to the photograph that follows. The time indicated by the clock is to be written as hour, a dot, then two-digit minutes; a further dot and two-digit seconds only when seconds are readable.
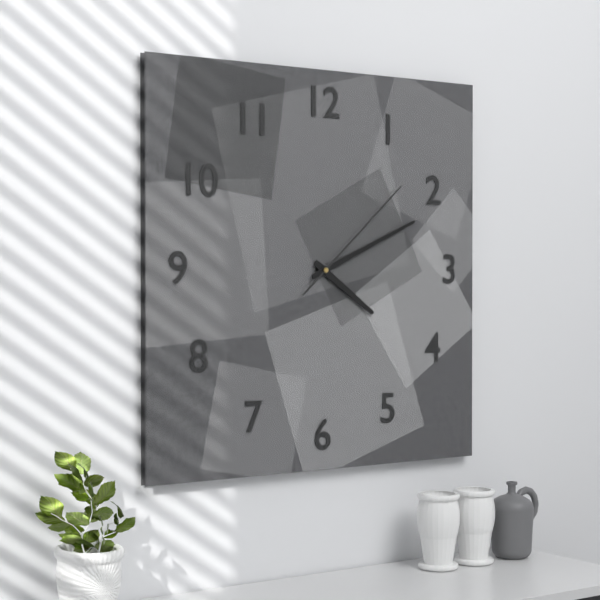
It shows 4.11.08
